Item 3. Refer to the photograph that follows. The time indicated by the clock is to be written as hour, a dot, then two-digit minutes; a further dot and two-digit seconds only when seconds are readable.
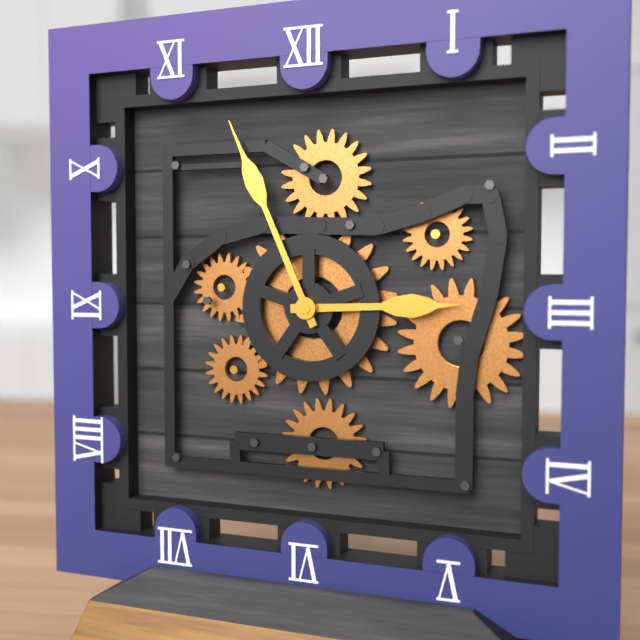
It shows 2.56
